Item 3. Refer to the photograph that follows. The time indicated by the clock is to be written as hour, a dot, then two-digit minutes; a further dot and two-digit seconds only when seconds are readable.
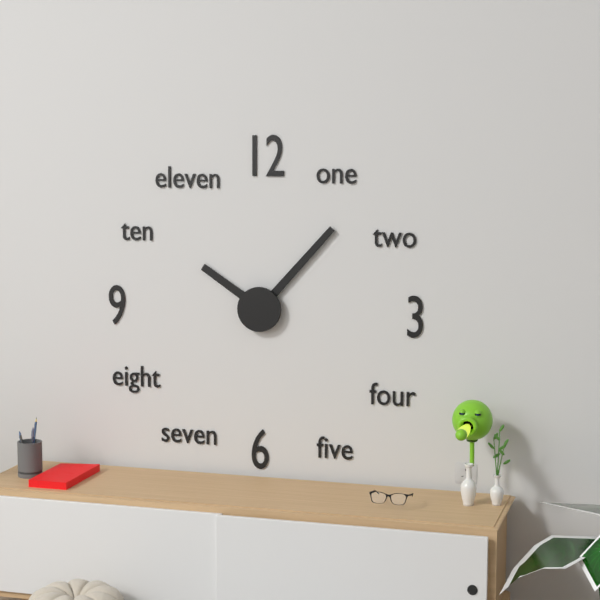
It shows 10.07
